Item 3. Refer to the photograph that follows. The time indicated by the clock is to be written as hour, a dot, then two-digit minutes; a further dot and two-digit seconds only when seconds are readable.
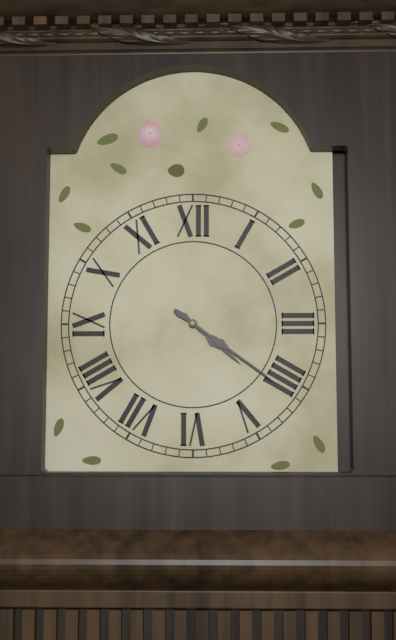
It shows 4.21
